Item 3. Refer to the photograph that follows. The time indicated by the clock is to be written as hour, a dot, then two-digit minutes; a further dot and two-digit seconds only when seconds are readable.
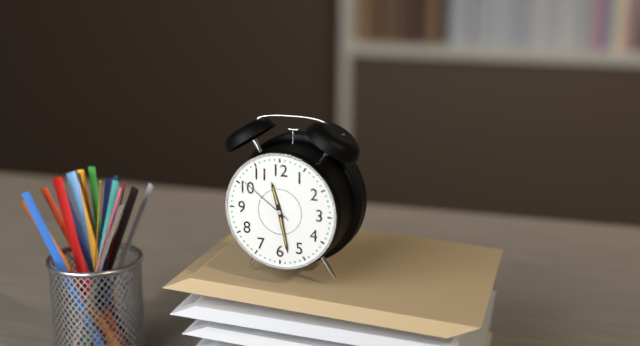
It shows 11.28.51
